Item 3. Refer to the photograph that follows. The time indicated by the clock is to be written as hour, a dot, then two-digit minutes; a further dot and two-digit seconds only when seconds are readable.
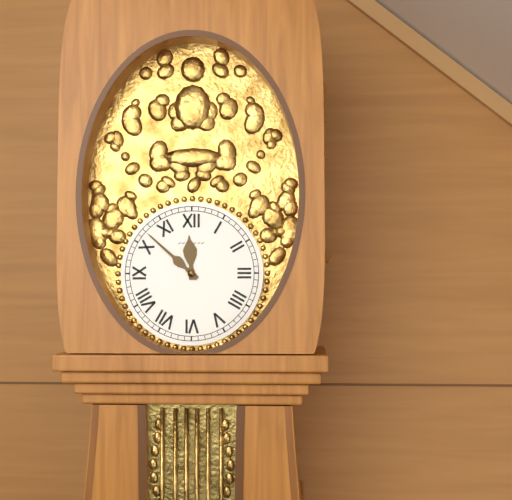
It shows 11.52
